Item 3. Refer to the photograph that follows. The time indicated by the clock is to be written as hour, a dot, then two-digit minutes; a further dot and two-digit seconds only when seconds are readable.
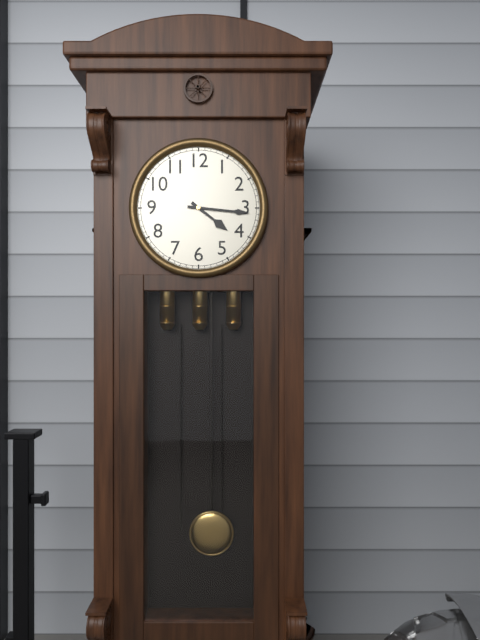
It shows 4.16
